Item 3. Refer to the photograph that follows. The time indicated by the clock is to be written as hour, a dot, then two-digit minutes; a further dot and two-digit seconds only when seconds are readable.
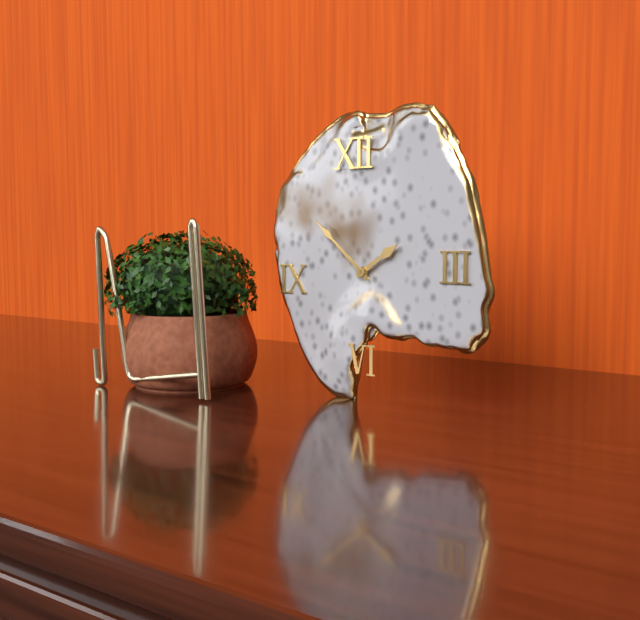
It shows 1.52
